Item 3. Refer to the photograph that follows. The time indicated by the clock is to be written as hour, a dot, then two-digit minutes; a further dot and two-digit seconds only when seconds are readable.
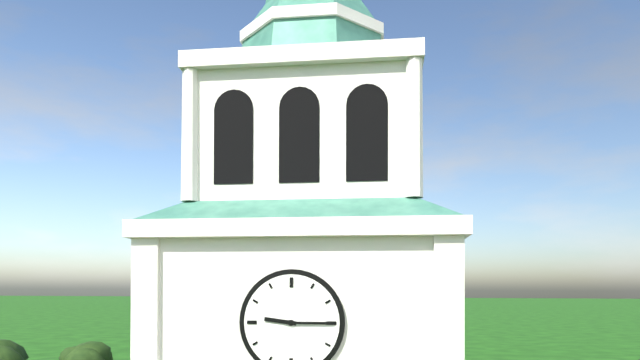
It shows 9.15
